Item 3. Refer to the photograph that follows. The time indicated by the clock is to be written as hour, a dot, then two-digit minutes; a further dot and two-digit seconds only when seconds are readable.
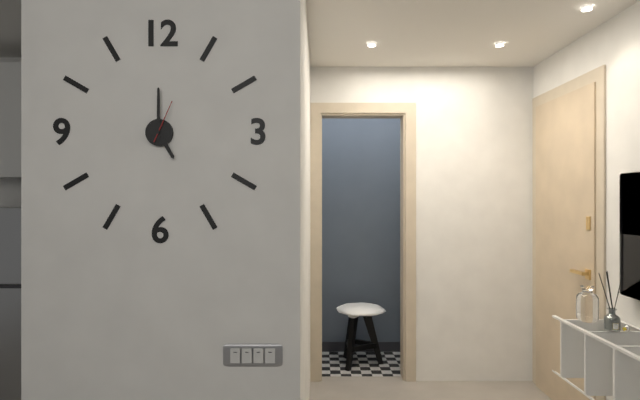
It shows 5.00
